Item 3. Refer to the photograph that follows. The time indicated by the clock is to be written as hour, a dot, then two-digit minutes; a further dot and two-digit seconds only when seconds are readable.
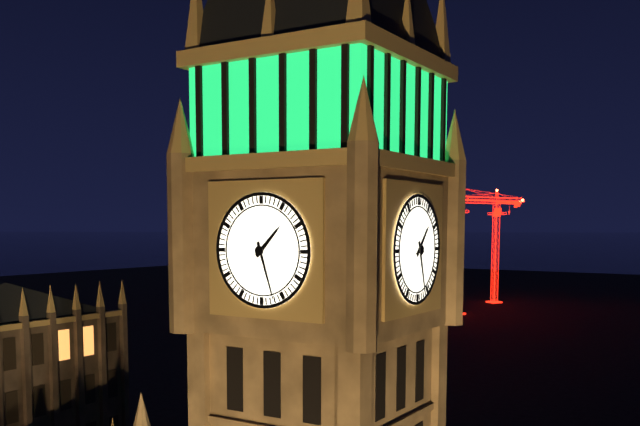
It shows 1.27
